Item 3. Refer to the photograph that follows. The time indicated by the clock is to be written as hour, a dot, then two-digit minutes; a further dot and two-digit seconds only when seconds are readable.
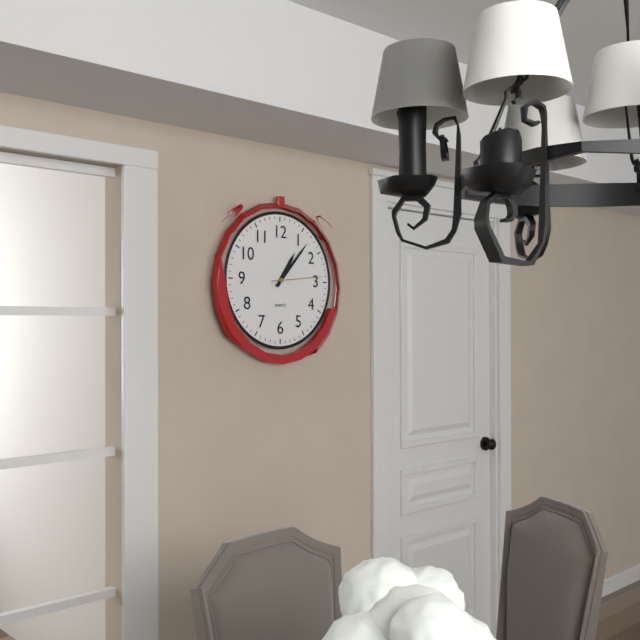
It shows 1.07.14
